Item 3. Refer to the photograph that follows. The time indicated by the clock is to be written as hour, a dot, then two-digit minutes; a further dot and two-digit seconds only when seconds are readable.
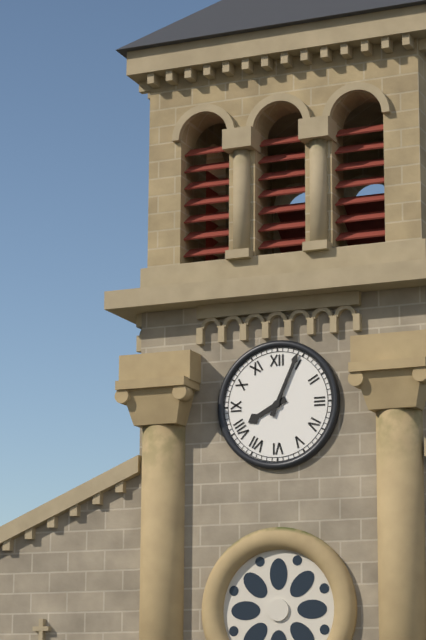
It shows 8.04
